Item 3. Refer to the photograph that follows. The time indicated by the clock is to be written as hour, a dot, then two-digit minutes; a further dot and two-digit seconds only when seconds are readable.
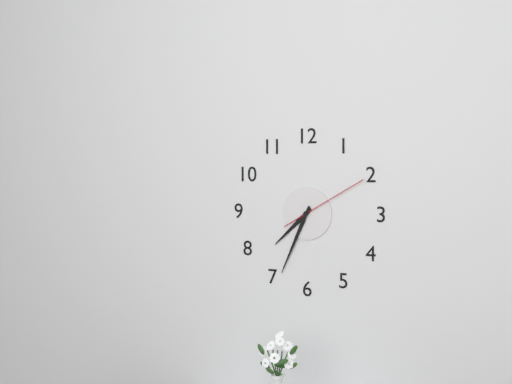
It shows 7.34.10
